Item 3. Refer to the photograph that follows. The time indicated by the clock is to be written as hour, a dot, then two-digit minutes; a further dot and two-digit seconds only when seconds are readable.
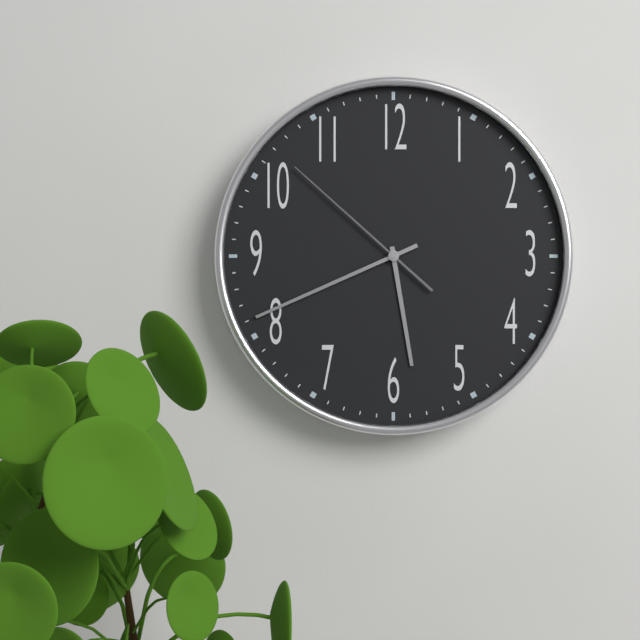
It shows 5.41.52
